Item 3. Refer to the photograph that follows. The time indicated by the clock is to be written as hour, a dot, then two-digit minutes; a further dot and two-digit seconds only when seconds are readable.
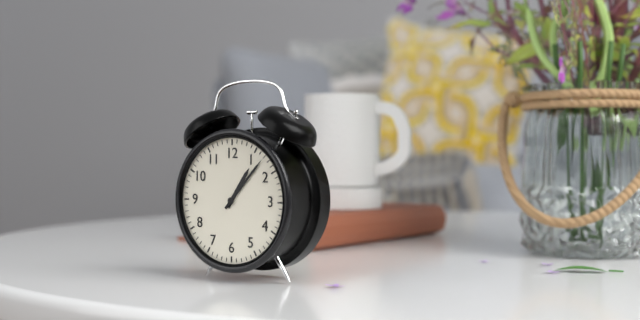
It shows 1.07
